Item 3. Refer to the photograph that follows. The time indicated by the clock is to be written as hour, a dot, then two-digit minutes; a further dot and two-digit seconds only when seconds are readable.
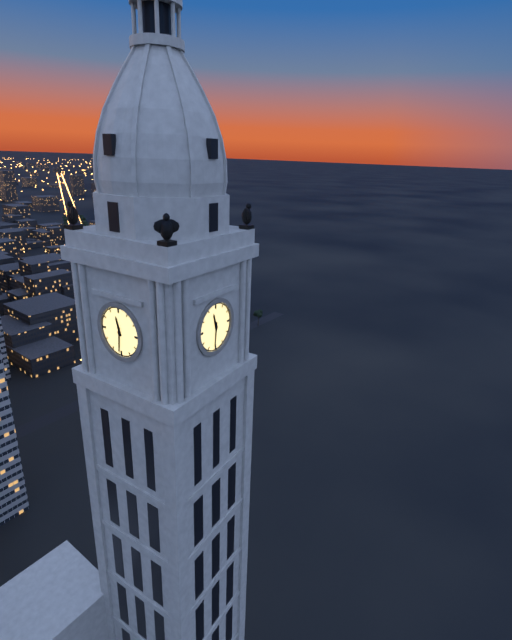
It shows 11.31
